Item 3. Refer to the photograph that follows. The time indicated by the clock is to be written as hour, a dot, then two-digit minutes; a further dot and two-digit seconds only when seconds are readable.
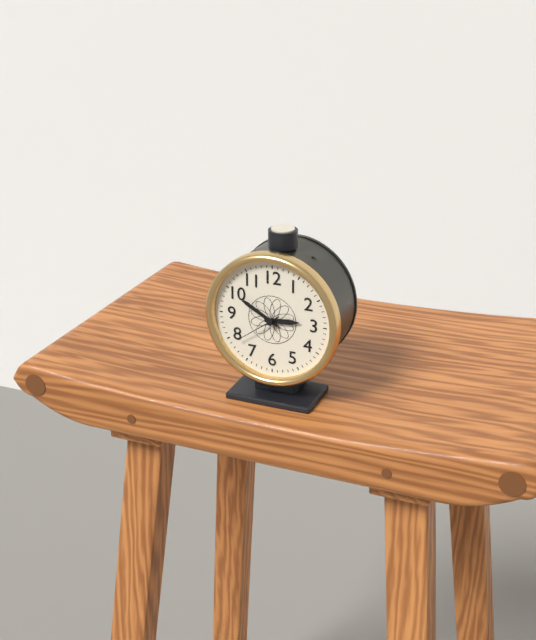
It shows 2.50
